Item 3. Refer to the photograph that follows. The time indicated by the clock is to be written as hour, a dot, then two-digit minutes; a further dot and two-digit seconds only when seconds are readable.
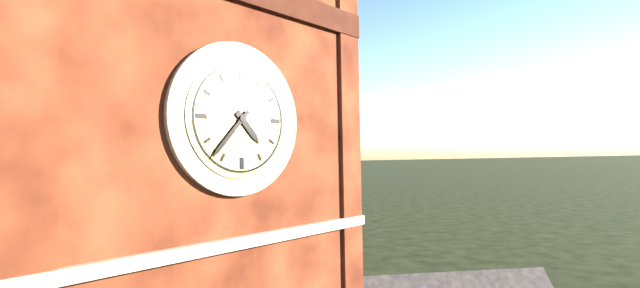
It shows 4.37
